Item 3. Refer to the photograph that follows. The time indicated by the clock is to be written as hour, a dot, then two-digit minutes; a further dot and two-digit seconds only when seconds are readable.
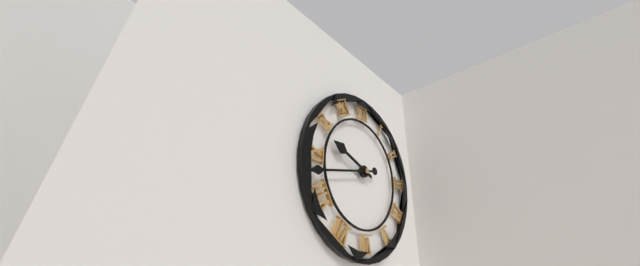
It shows 9.43
